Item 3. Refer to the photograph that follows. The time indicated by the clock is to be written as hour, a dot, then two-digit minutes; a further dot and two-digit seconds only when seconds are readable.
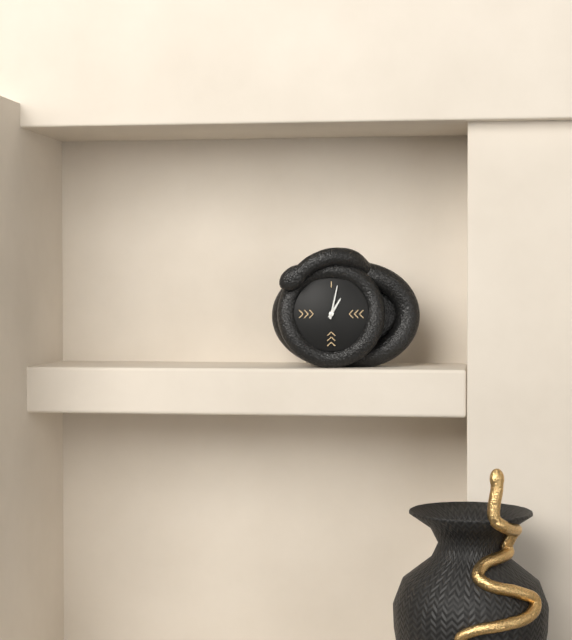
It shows 1.02
